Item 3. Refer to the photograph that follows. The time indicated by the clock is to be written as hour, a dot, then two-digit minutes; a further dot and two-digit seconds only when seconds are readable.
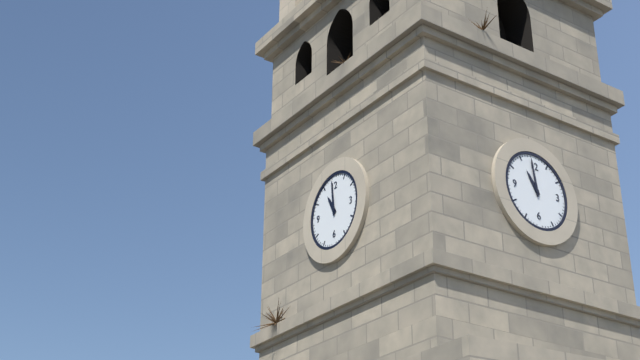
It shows 10.59
